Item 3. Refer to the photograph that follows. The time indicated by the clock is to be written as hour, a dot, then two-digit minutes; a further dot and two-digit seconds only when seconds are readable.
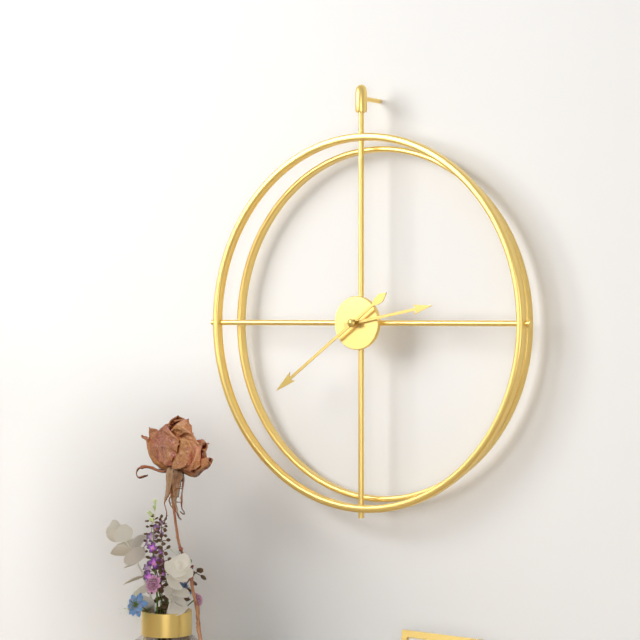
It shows 2.39
